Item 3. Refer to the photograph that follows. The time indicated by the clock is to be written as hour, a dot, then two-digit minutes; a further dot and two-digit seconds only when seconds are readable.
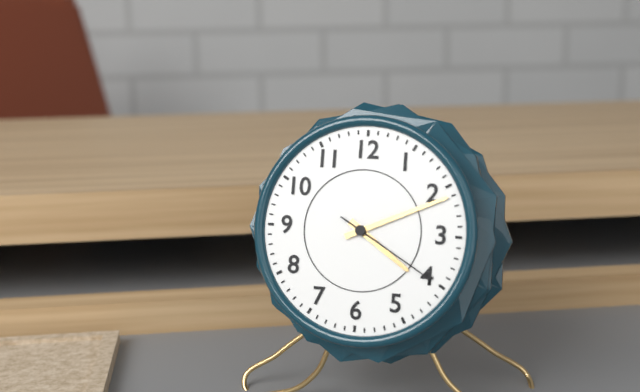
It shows 4.11.20
